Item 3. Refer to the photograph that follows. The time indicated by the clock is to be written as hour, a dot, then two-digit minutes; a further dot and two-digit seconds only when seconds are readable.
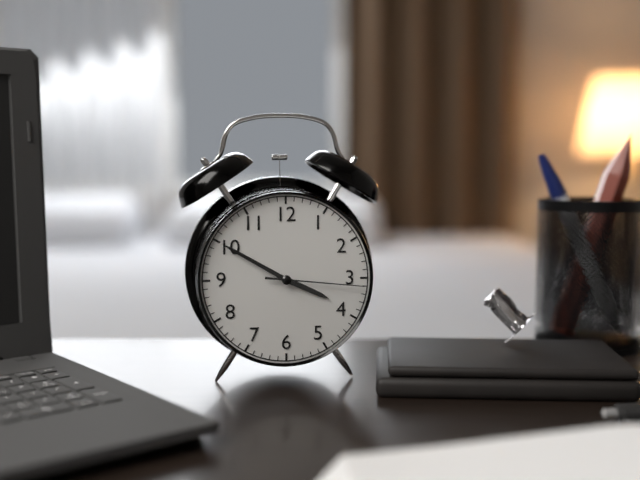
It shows 3.50.16
